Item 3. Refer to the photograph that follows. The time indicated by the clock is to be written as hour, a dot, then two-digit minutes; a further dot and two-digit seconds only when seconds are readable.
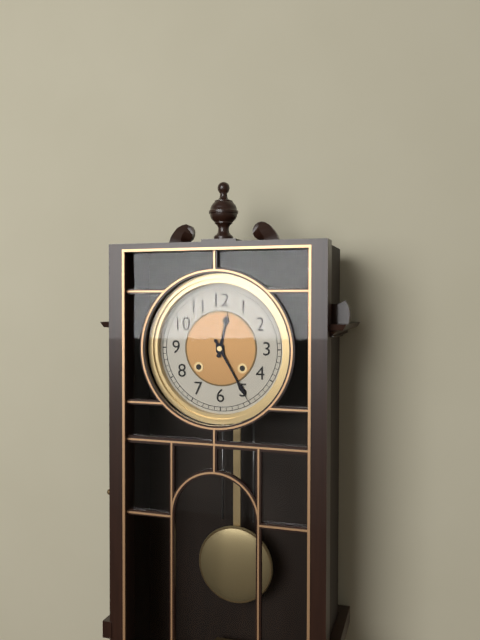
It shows 12.25
